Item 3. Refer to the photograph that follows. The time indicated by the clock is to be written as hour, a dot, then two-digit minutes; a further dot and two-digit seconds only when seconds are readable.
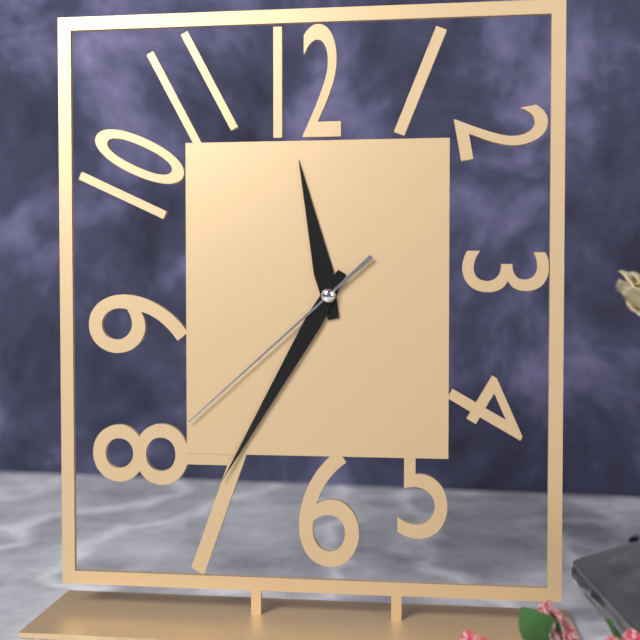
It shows 11.35.38
